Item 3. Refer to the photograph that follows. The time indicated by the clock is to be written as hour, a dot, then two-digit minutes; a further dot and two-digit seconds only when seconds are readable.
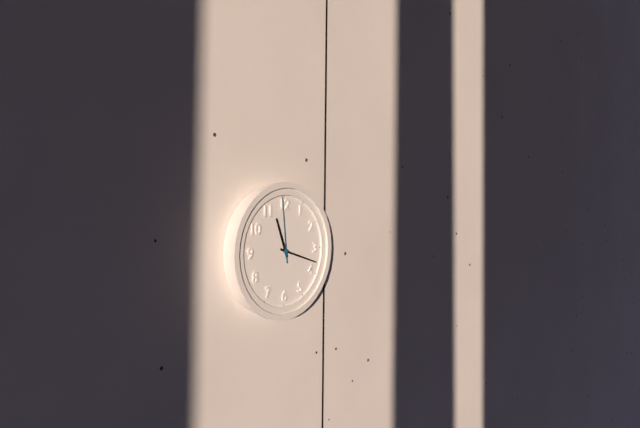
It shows 11.18.59
